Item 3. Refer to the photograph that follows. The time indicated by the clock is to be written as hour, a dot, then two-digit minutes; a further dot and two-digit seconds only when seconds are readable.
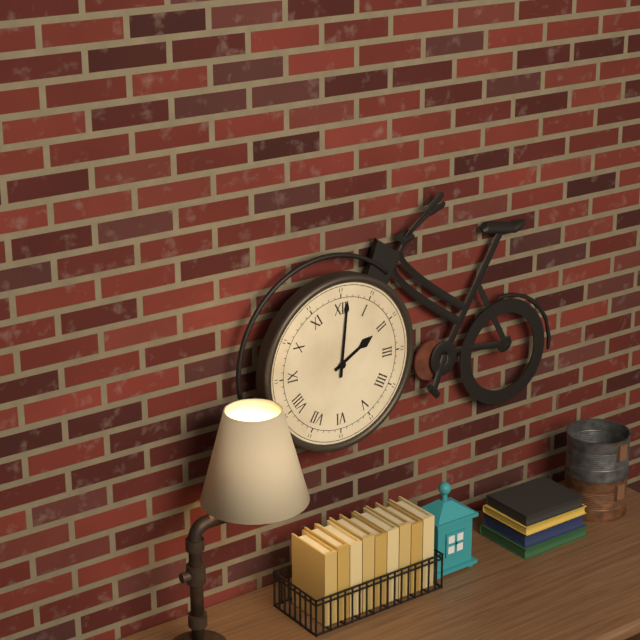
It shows 2.01
